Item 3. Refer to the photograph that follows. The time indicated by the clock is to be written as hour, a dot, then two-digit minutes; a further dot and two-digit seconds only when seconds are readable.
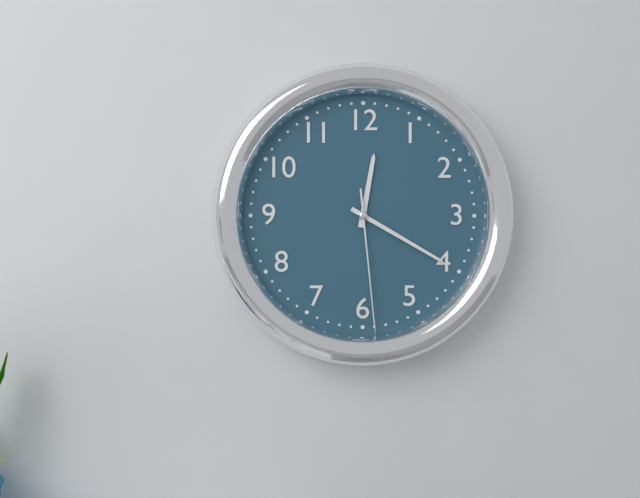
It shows 12.20.29
